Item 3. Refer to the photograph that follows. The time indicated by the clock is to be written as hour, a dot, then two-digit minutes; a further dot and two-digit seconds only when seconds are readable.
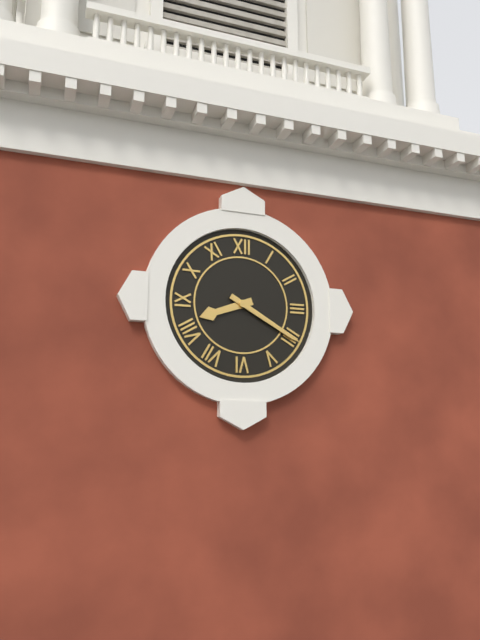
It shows 8.20
